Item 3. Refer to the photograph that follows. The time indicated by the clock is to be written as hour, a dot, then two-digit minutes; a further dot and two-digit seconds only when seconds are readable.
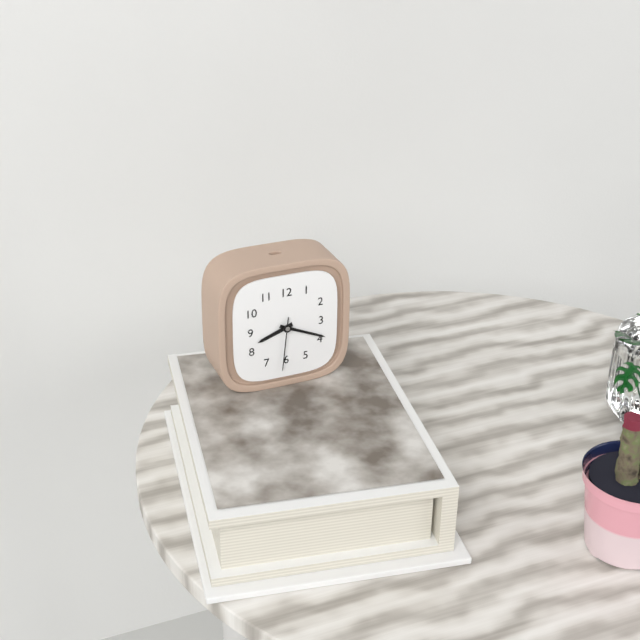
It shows 8.19.31
